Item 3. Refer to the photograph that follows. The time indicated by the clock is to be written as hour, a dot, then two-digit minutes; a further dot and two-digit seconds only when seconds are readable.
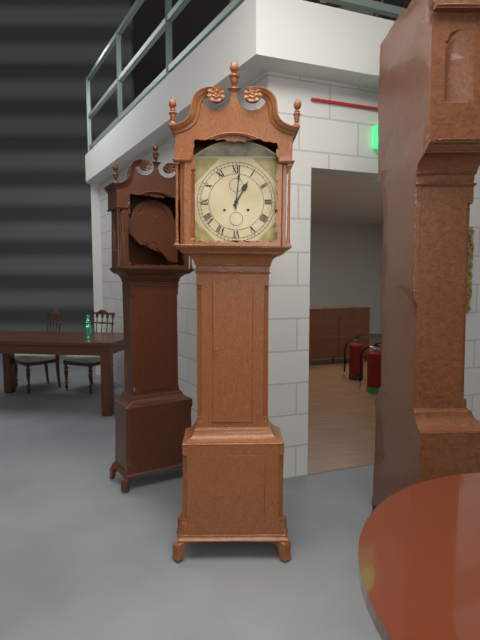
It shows 1.01
